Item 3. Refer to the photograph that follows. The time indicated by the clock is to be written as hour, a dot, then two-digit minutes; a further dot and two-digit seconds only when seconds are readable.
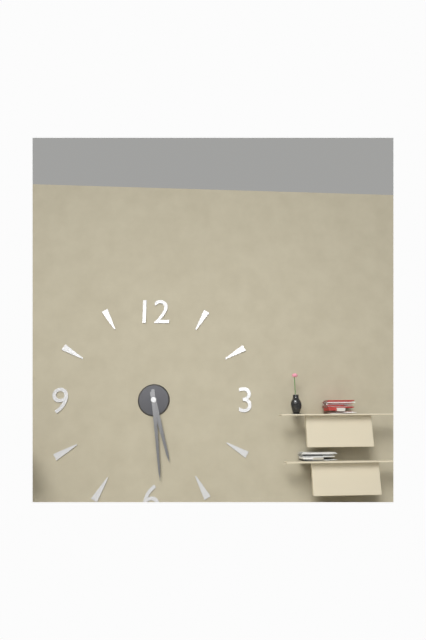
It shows 5.29
